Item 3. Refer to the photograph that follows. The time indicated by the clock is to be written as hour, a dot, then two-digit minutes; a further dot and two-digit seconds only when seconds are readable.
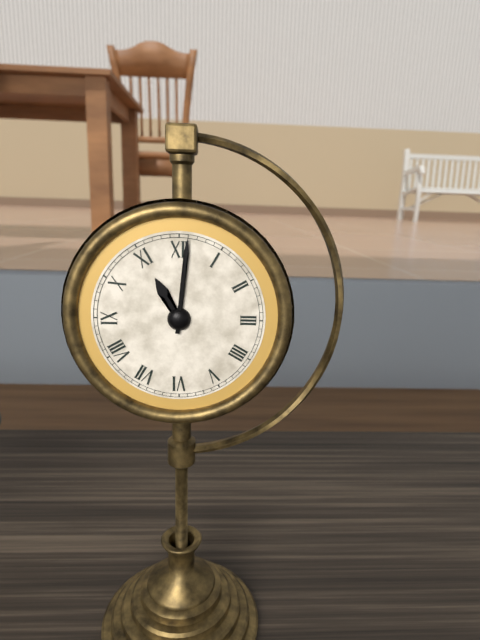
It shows 11.01
